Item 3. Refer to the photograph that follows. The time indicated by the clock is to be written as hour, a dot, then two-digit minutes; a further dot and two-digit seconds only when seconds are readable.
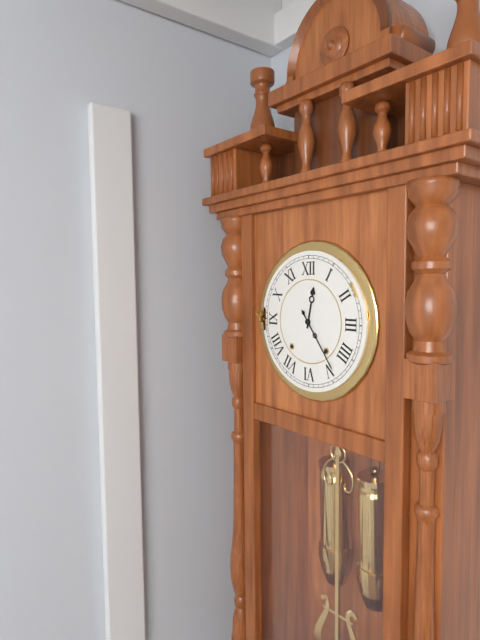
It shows 12.24
